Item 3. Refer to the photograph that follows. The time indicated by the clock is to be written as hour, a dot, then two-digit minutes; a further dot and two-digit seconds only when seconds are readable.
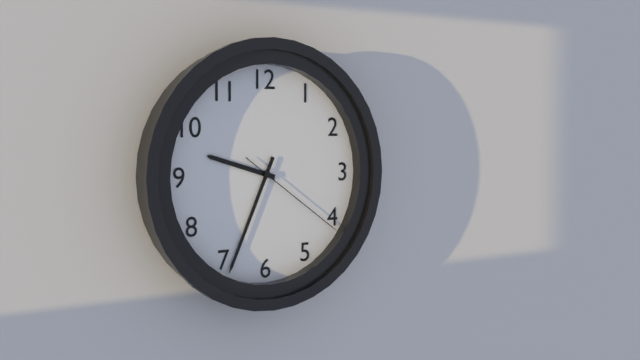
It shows 9.34.21
